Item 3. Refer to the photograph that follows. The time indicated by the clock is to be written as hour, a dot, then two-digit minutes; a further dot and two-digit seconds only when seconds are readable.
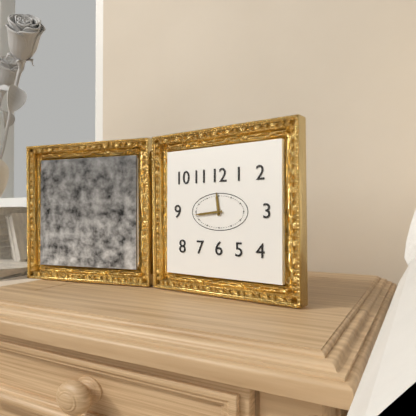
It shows 11.44
